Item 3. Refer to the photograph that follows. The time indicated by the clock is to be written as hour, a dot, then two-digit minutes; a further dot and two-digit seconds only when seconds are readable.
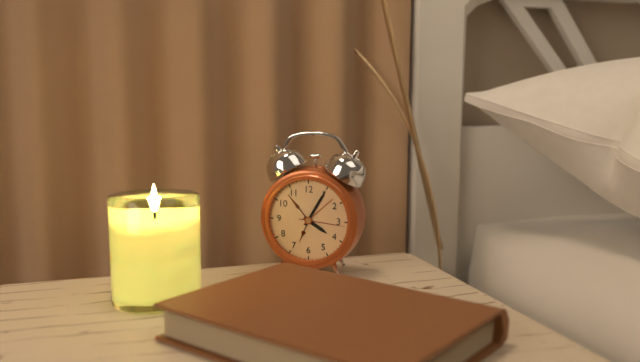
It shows 4.05
